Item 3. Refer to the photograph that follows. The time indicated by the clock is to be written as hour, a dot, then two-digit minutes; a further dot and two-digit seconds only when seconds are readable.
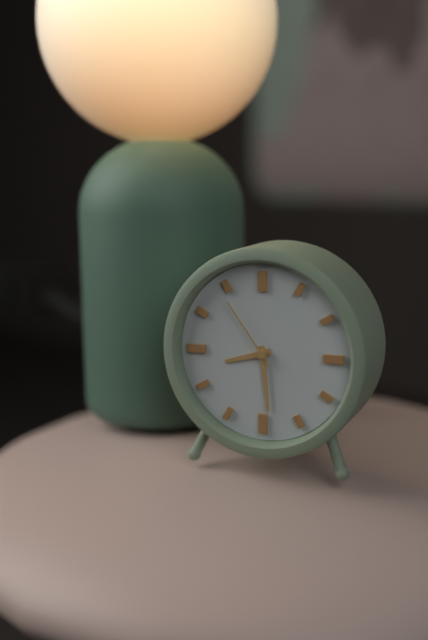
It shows 8.29.54
